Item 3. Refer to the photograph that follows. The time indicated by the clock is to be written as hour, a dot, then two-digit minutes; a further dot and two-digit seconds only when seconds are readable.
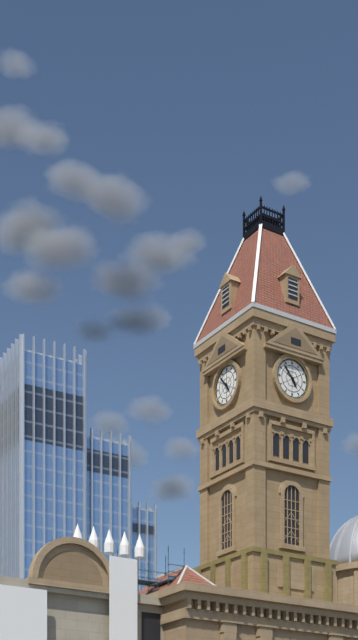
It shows 4.53
